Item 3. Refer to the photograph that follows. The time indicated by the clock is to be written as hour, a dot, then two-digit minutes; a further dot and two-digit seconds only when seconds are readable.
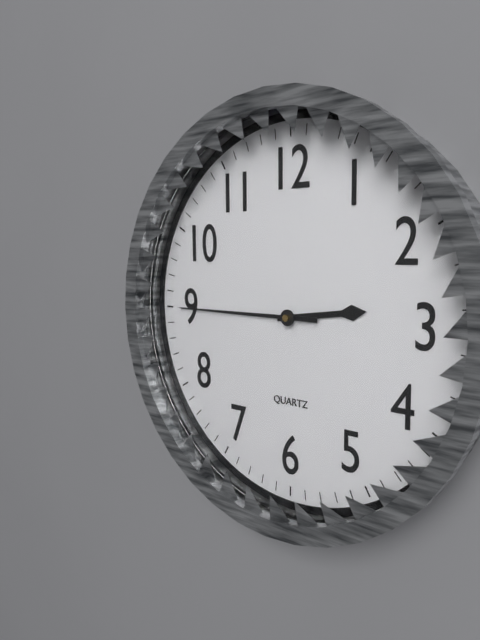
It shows 2.45
